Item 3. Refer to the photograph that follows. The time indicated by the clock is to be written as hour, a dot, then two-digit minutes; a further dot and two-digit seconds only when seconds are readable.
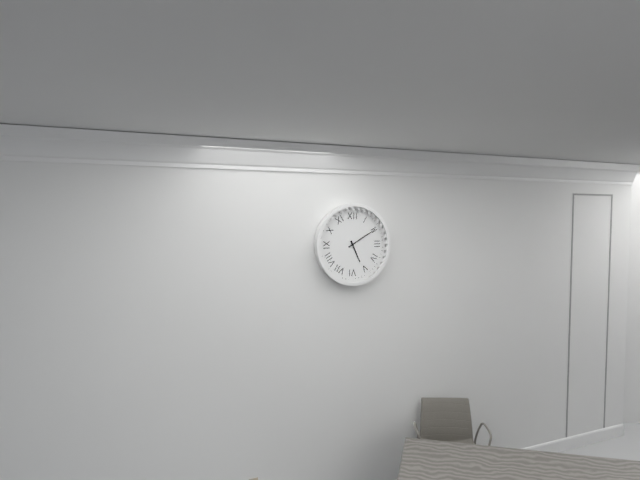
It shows 5.10
